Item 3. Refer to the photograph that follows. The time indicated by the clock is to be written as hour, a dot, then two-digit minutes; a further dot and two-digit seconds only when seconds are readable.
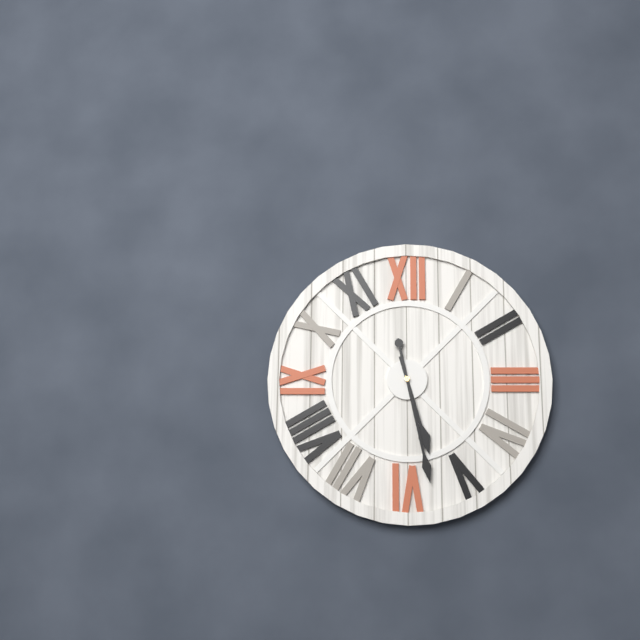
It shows 5.28
